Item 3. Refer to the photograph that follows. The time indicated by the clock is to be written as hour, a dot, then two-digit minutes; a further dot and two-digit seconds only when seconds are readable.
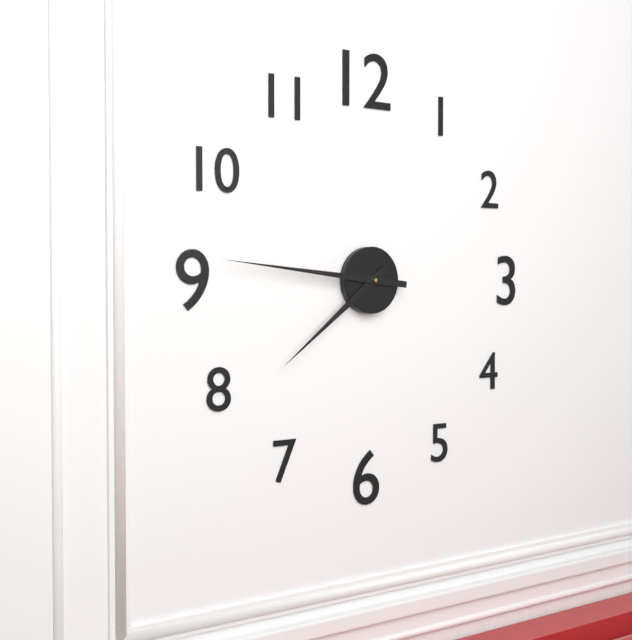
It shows 7.46
